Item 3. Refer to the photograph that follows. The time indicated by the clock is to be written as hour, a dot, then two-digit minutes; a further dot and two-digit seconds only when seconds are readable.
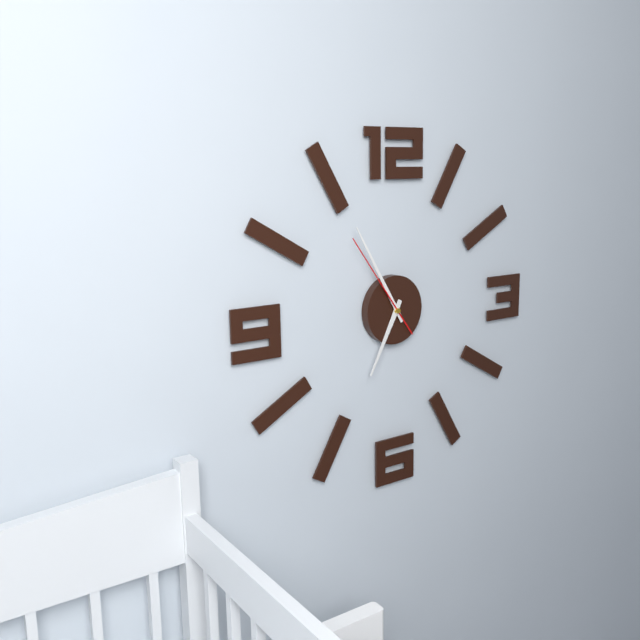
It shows 6.55.54
